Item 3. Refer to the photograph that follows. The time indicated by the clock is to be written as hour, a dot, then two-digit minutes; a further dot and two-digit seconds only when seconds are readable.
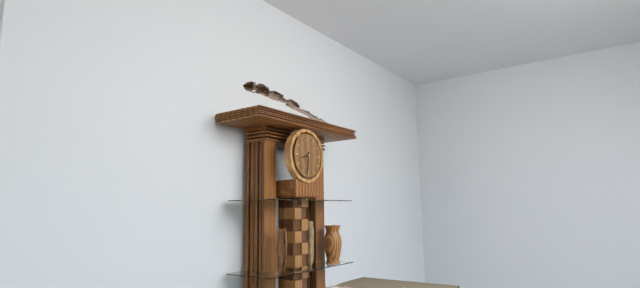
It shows 8.31
